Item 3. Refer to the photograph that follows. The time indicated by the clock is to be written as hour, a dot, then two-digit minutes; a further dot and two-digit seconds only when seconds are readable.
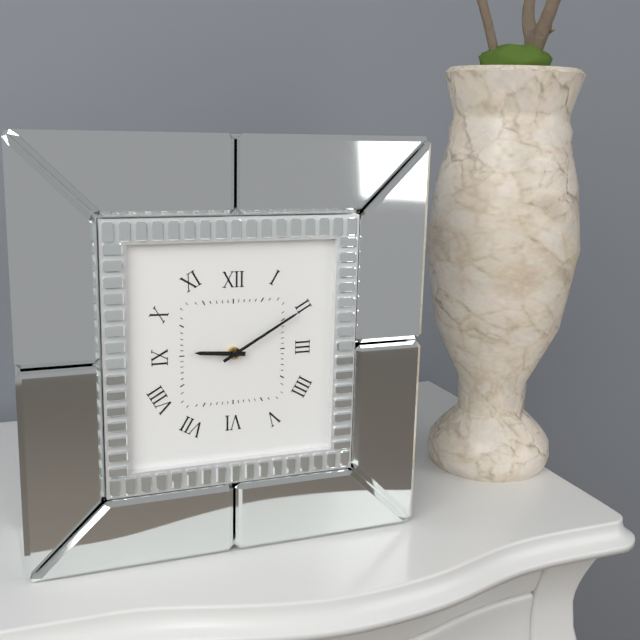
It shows 9.10
